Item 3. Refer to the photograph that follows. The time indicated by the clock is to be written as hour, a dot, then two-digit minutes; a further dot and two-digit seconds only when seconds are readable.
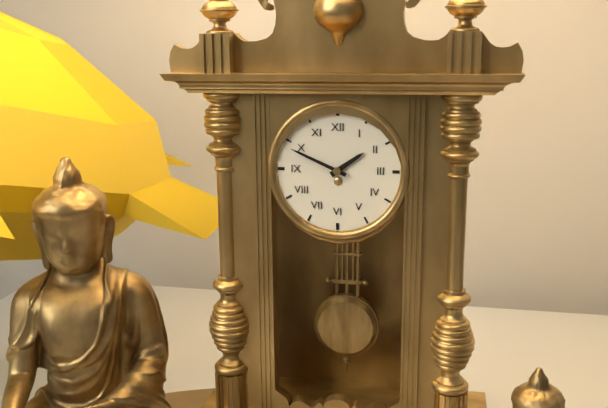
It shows 1.49
